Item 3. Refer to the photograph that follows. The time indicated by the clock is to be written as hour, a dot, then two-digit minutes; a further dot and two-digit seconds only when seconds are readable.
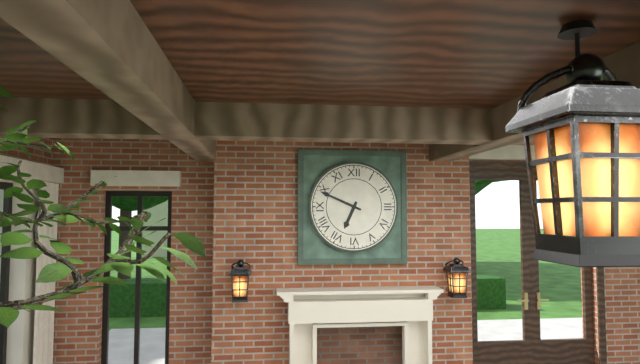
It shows 6.49
